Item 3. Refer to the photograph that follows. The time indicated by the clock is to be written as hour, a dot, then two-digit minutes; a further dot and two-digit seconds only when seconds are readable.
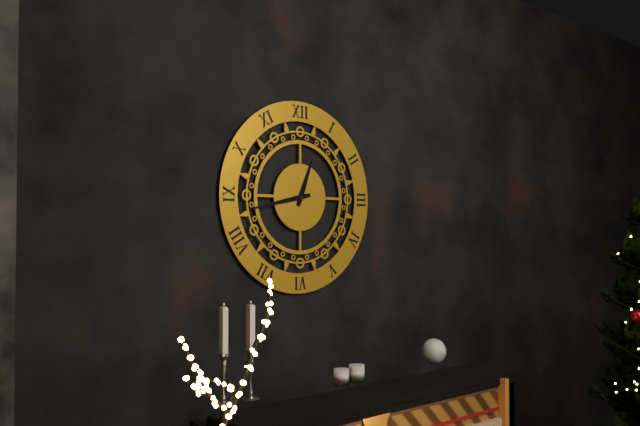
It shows 12.43
